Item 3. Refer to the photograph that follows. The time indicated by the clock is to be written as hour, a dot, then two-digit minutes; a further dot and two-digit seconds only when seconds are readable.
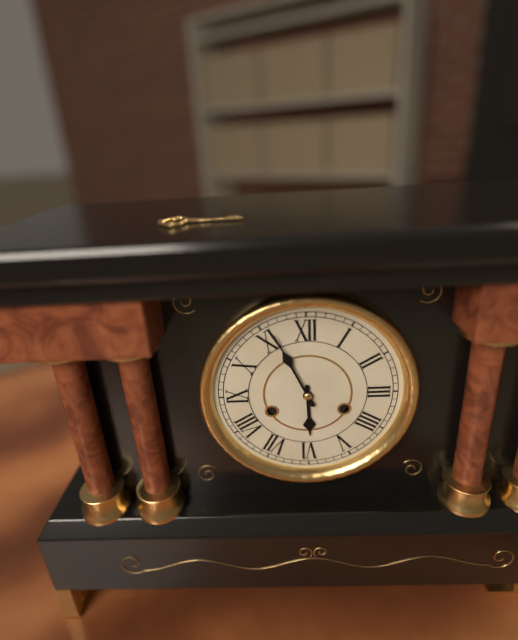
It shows 5.56
